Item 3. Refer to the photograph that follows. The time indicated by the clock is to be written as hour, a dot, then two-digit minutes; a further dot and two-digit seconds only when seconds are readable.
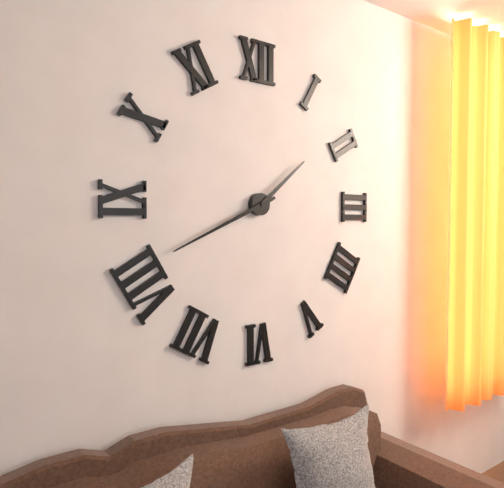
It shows 1.41
